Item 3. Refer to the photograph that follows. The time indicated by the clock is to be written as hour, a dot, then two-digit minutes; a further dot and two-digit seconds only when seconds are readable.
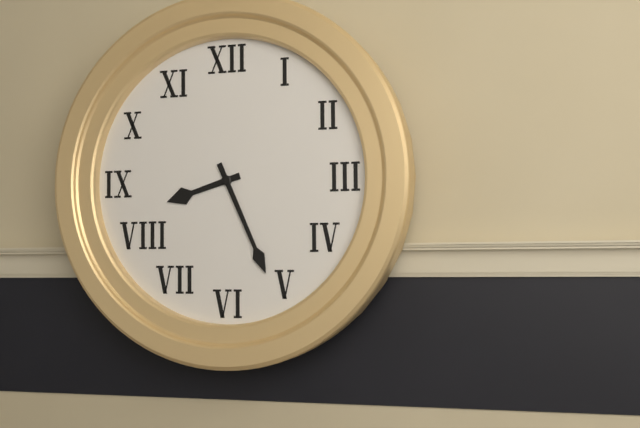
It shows 8.26
